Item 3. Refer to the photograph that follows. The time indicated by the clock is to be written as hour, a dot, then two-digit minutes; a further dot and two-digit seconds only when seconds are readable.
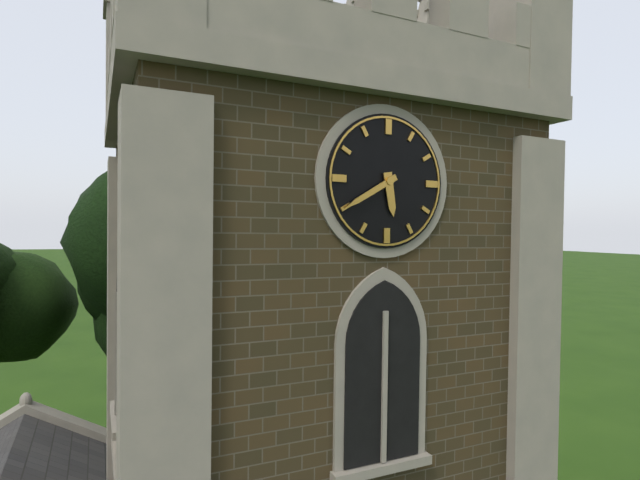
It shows 5.40
